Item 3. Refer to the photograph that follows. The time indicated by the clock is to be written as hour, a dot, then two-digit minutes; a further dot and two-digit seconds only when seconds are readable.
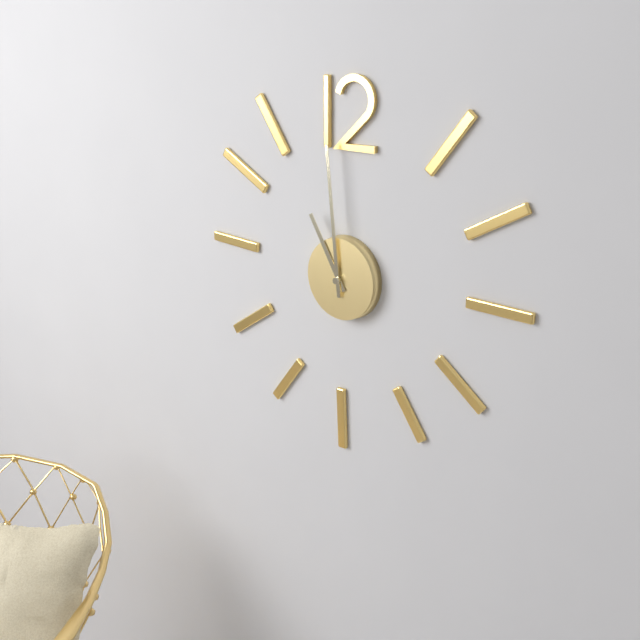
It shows 10.59
